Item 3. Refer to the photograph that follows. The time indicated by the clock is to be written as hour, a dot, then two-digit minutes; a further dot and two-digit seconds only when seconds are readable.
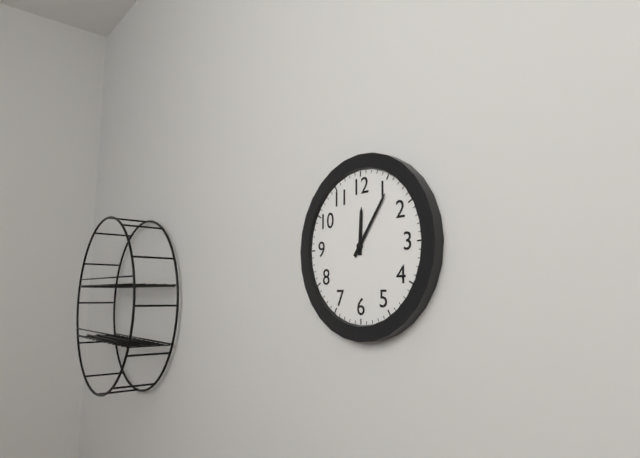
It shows 12.06
